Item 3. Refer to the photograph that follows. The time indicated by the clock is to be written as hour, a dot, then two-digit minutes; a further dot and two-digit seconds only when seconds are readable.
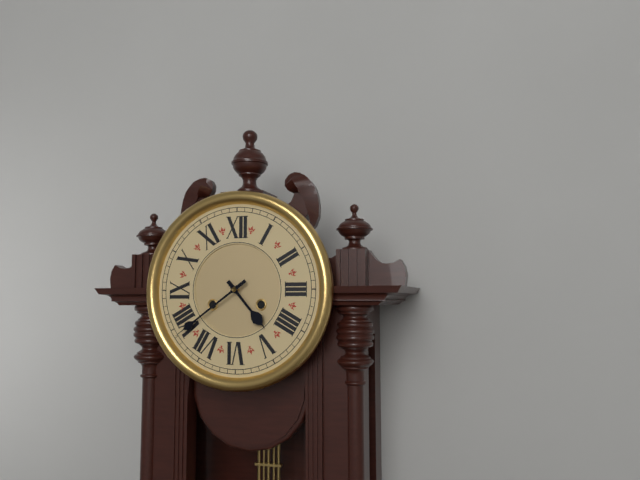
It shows 4.39
